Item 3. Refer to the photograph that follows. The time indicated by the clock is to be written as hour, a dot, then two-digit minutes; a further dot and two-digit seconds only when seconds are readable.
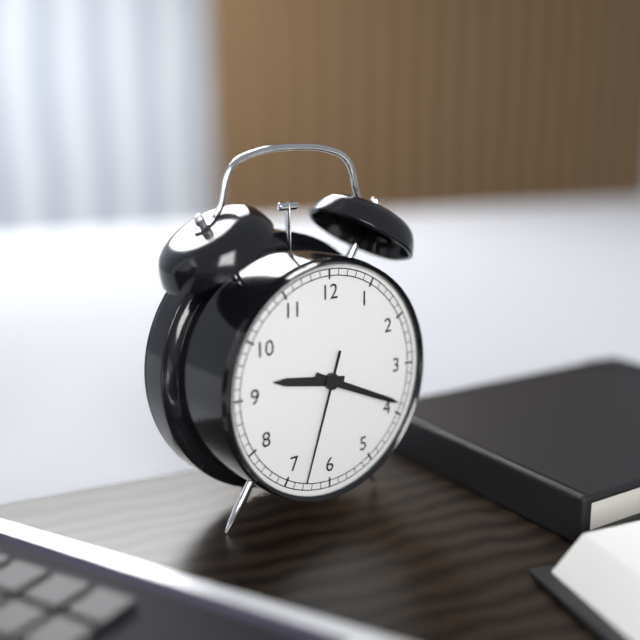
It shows 9.19.33
